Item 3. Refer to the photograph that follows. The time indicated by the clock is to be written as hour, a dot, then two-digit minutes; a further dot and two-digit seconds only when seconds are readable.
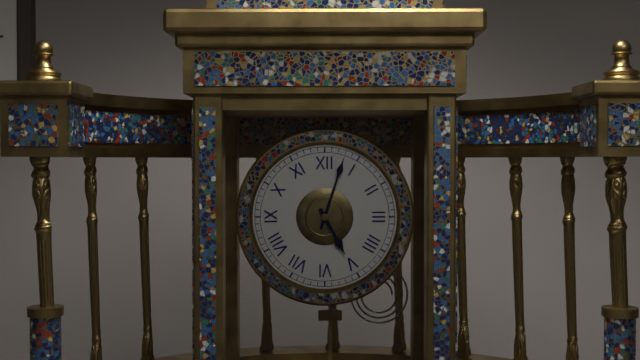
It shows 5.03
